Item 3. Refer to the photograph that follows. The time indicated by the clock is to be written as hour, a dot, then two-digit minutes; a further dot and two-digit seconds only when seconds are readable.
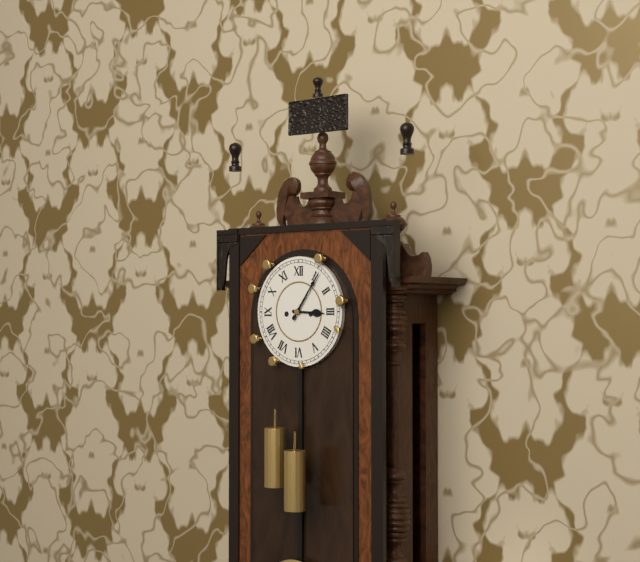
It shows 3.06
